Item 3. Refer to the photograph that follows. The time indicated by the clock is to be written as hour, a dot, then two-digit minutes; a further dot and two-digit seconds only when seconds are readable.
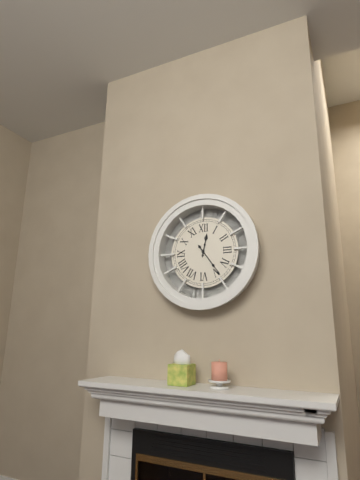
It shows 12.24
